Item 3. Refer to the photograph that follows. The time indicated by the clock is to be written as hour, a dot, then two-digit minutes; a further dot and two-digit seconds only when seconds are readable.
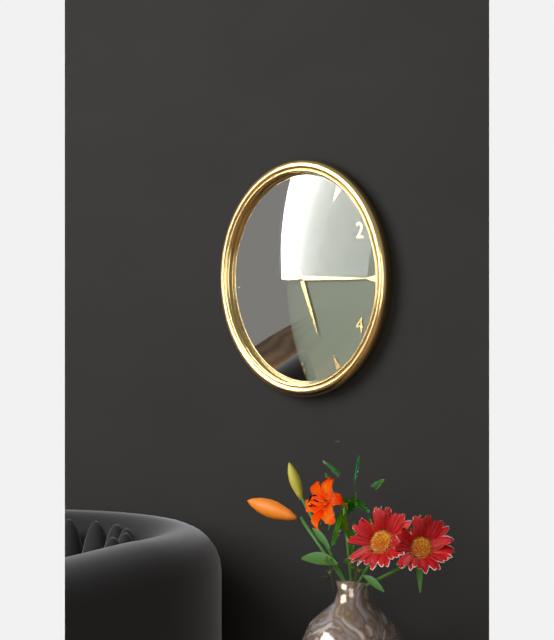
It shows 5.15.44
